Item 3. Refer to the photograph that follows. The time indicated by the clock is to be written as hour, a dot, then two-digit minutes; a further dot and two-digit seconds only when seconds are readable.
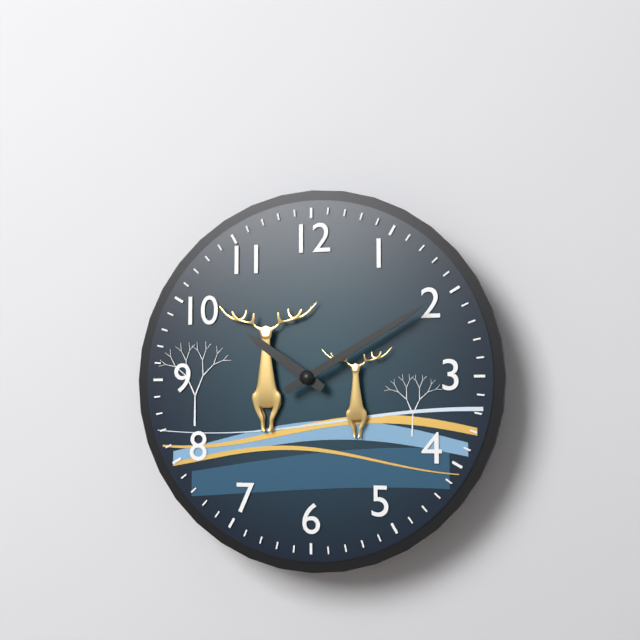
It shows 10.10
